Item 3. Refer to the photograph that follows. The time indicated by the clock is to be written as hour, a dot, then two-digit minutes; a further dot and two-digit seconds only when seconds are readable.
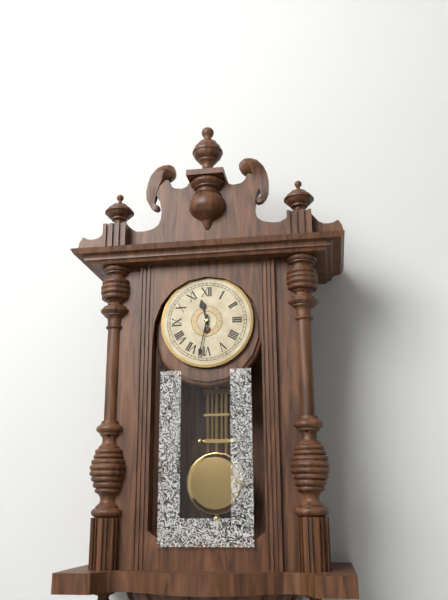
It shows 11.32
